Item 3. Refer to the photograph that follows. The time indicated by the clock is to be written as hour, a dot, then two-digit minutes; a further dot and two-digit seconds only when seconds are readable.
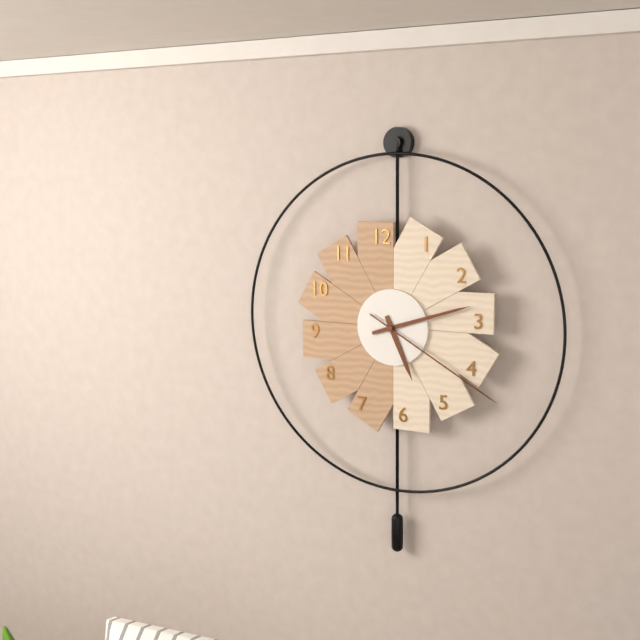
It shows 5.12.20
